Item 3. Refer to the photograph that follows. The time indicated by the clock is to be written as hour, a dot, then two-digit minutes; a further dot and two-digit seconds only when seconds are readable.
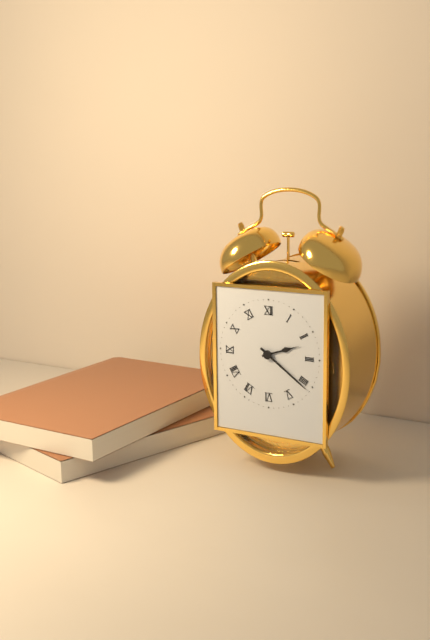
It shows 2.21
